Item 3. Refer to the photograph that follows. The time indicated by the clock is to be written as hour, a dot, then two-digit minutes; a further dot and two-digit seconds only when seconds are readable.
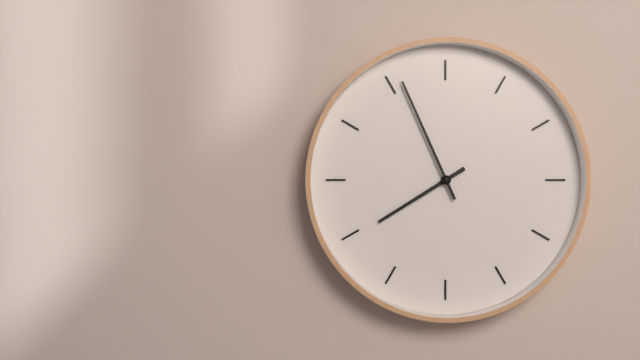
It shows 7.56
